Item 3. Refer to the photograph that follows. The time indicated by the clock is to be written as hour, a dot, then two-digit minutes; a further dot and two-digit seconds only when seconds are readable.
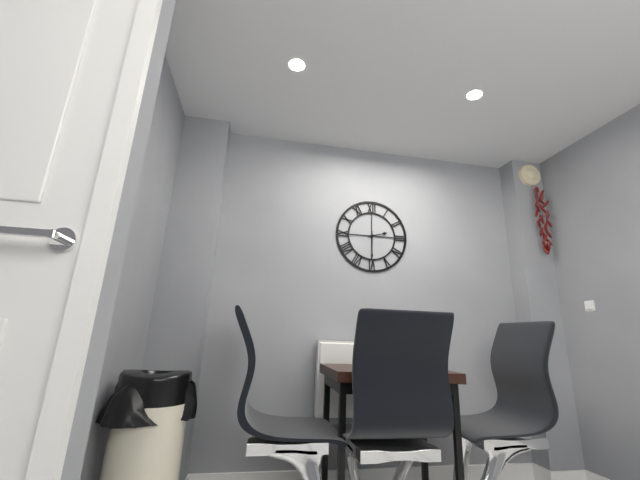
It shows 2.30
